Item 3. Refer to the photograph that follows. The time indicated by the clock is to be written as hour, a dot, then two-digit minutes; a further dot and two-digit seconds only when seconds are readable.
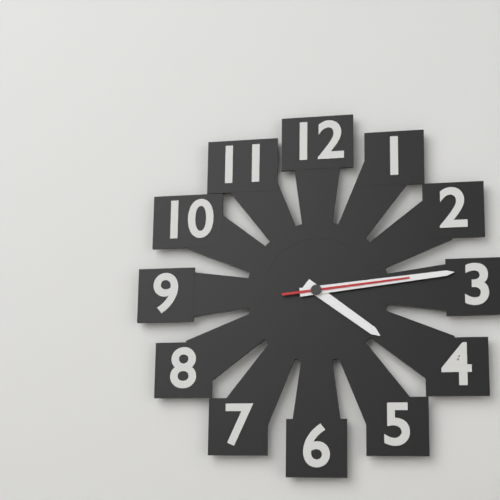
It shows 4.14.14
